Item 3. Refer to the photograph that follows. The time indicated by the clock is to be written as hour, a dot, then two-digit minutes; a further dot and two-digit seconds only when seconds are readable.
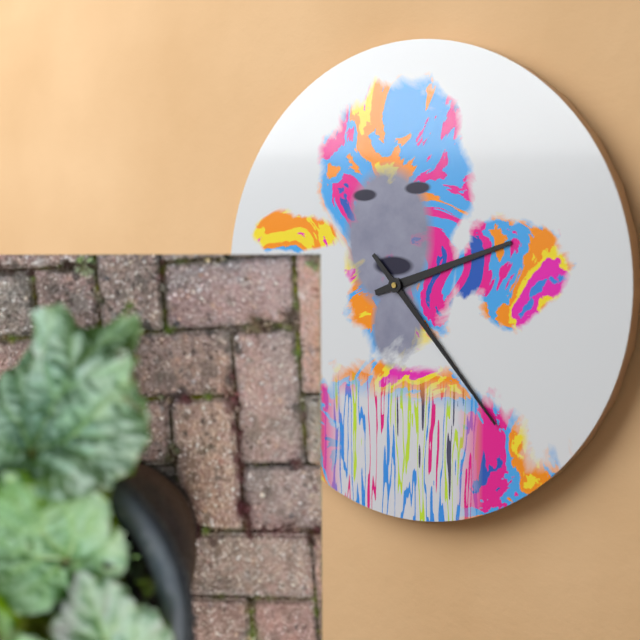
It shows 2.23
